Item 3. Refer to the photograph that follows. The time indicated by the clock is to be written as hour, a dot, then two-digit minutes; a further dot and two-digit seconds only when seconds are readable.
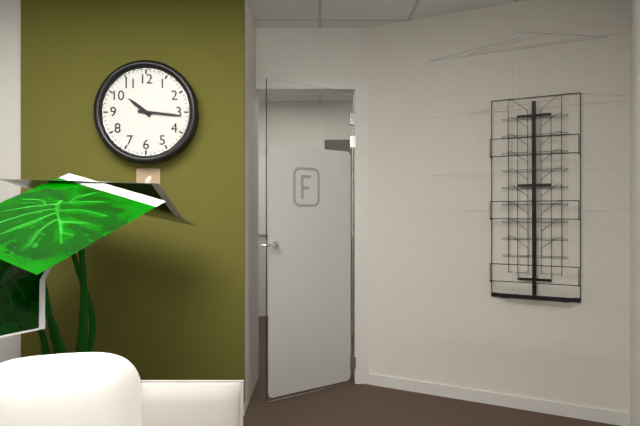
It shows 10.16
